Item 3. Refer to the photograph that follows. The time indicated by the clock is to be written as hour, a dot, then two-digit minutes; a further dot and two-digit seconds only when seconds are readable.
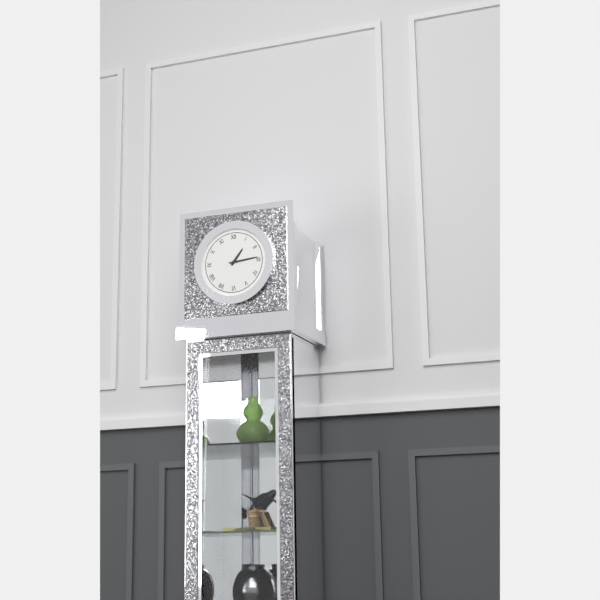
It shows 1.14
